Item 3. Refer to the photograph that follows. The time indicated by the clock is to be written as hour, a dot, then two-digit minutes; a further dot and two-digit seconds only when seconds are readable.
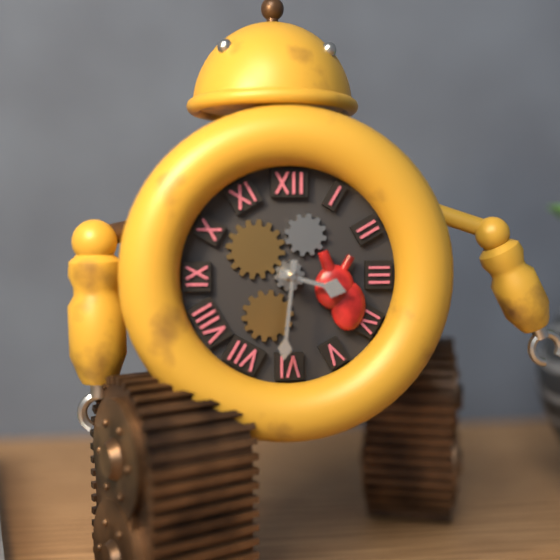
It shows 3.31
